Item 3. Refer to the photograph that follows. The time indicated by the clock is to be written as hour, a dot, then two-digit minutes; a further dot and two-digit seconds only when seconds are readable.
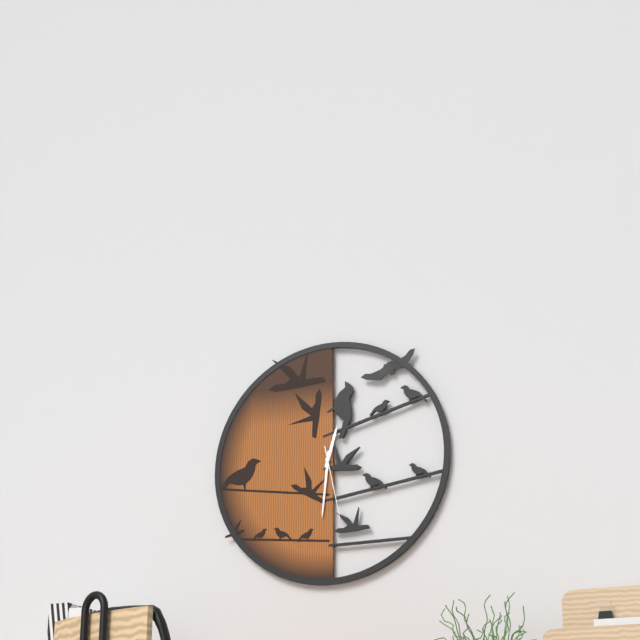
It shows 12.31.28
